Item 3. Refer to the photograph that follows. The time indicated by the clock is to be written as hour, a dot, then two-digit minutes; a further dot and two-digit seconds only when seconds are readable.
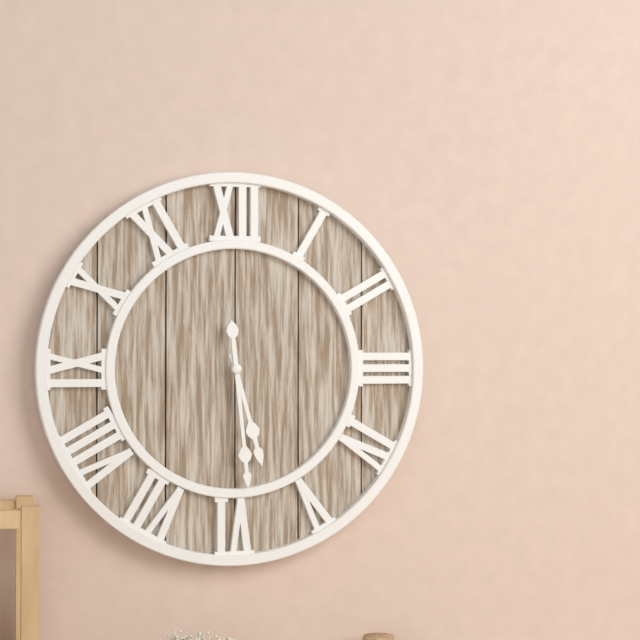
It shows 5.29
